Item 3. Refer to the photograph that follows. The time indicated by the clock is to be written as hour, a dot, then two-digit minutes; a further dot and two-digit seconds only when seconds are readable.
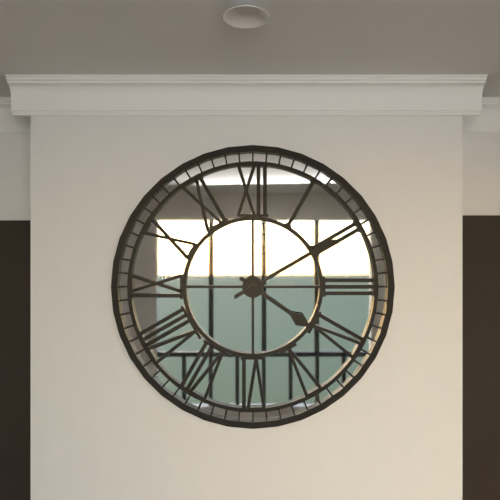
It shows 4.10
